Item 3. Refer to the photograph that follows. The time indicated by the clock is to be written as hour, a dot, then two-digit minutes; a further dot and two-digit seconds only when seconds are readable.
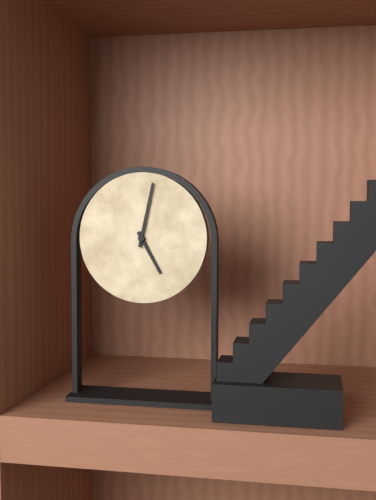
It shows 5.02
